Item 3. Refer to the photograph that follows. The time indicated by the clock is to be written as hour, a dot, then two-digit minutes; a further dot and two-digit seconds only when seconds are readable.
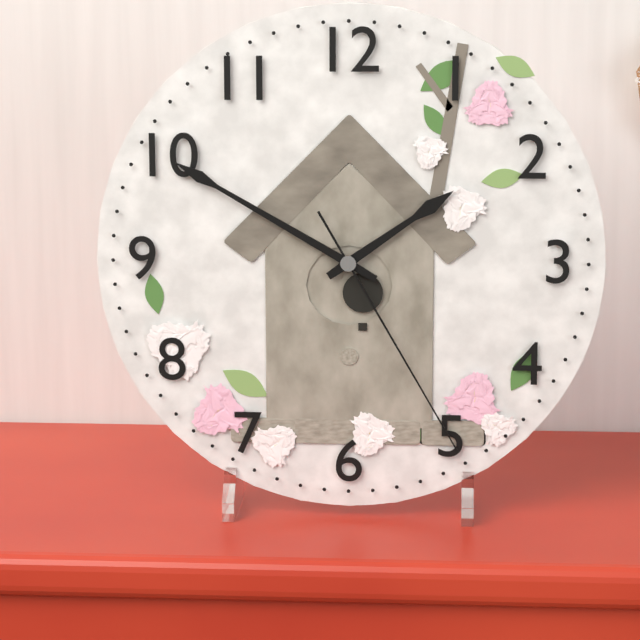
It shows 1.50.25
